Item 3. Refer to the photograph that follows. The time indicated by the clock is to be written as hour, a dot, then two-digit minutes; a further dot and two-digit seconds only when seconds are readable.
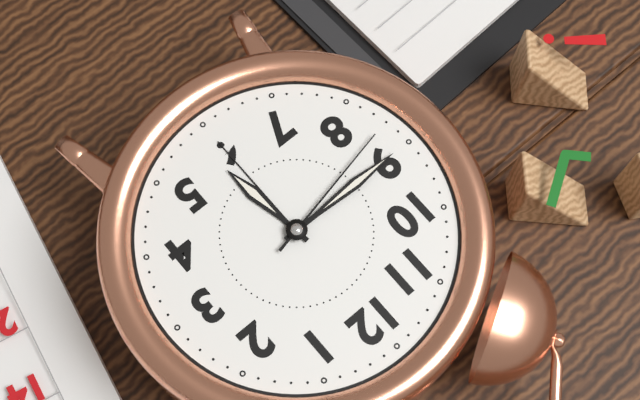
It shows 5.45.43
